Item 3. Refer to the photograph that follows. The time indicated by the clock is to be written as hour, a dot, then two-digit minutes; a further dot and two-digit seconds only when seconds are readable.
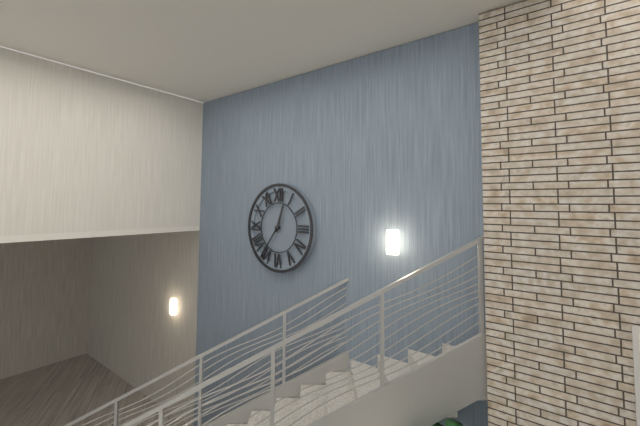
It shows 12.36
